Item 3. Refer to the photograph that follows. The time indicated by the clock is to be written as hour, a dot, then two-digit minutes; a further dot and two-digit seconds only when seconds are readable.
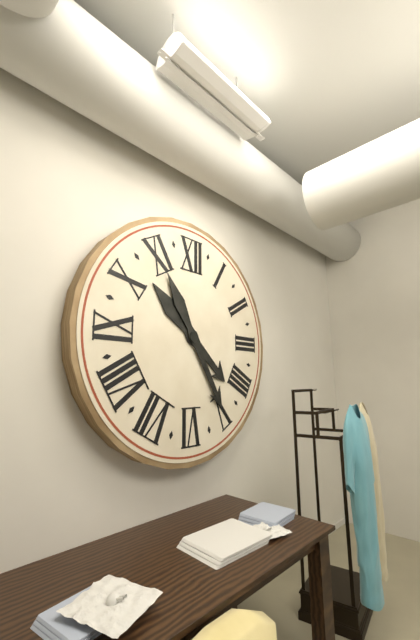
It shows 4.25
